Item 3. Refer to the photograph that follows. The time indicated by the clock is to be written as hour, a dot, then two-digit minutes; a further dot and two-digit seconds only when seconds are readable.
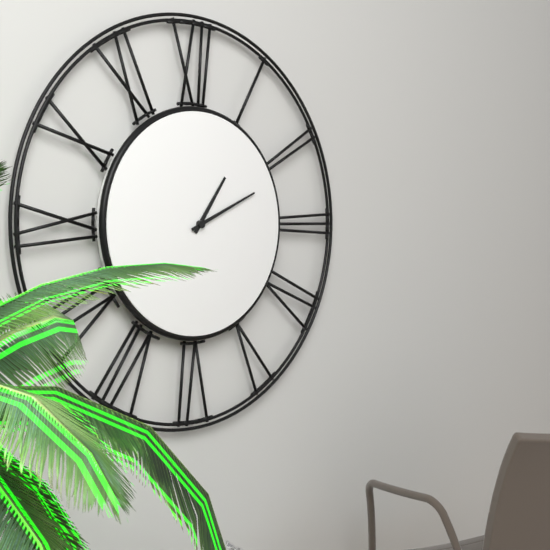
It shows 1.11
